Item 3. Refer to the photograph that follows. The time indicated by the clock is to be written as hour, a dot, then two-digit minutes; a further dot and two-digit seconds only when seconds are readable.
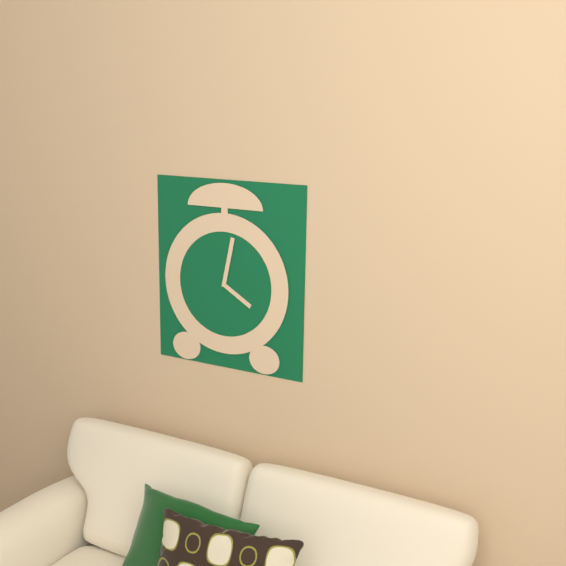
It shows 4.02
